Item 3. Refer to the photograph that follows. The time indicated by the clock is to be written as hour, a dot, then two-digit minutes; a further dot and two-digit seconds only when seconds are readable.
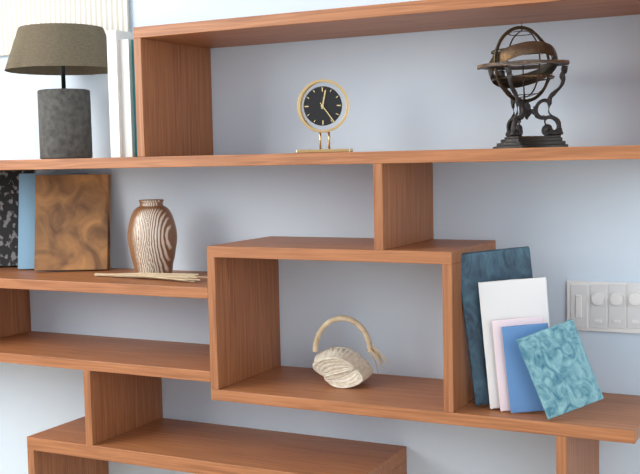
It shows 12.24
